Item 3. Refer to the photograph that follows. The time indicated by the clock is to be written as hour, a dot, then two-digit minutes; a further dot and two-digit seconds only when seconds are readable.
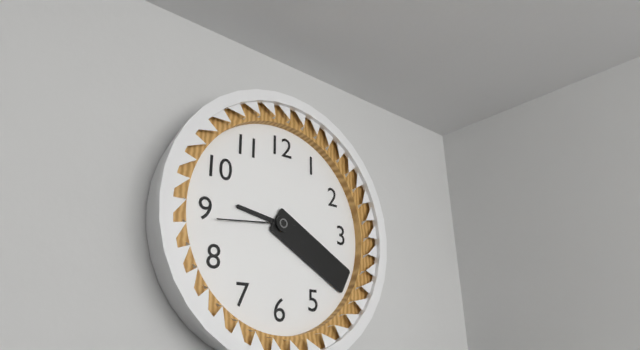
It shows 9.20.44
